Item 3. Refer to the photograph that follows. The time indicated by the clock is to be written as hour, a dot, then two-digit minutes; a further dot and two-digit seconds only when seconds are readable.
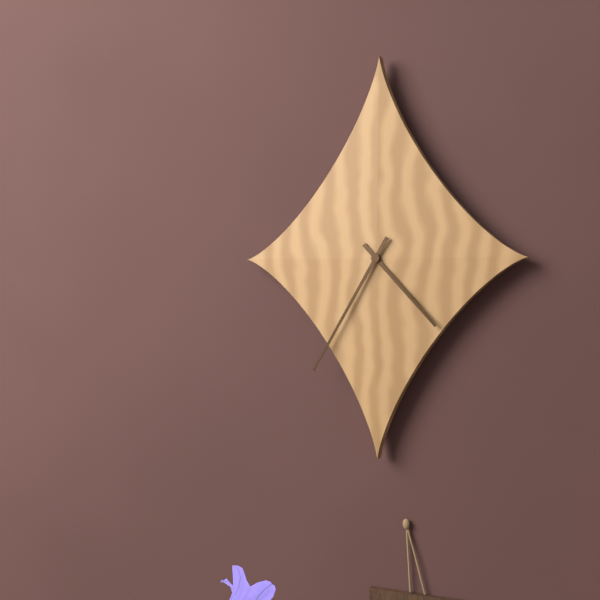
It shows 4.35
